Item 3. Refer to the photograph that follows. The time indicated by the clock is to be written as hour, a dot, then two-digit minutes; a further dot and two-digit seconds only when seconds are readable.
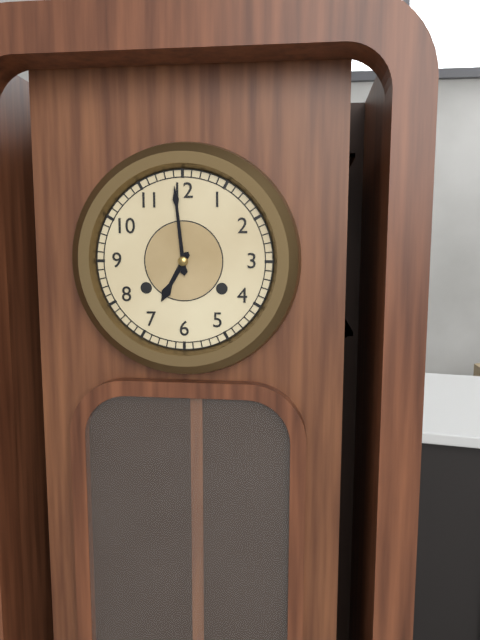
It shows 6.59
